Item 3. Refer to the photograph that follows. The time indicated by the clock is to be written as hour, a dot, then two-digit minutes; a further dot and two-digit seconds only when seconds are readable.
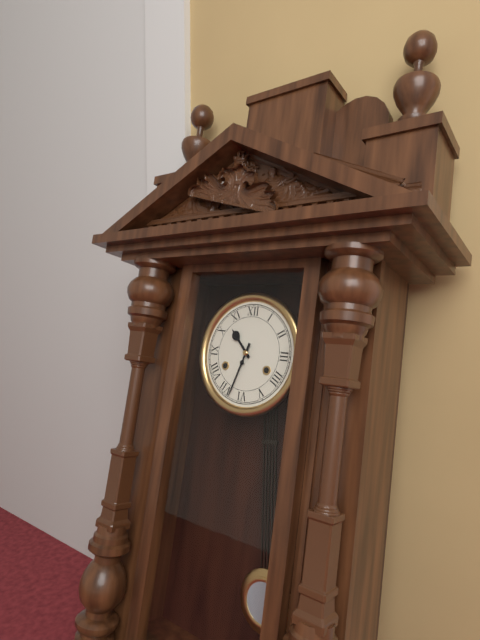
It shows 10.33
